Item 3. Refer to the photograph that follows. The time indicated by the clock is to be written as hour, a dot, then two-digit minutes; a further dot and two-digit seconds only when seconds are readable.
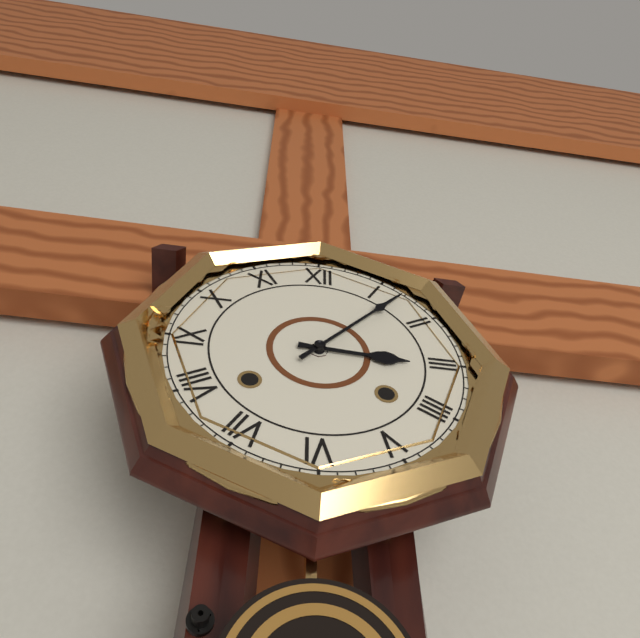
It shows 3.07
